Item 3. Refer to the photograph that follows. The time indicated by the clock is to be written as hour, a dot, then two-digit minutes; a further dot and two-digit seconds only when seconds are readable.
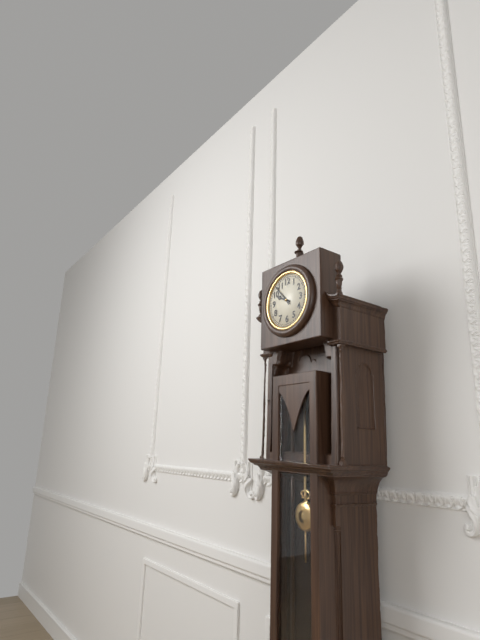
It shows 9.53
